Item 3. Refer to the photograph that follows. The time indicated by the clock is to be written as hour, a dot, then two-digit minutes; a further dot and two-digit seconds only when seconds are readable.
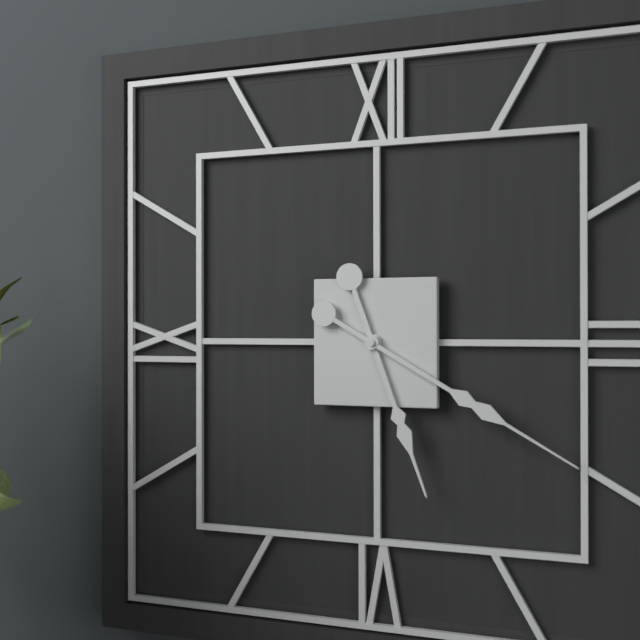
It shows 5.20
